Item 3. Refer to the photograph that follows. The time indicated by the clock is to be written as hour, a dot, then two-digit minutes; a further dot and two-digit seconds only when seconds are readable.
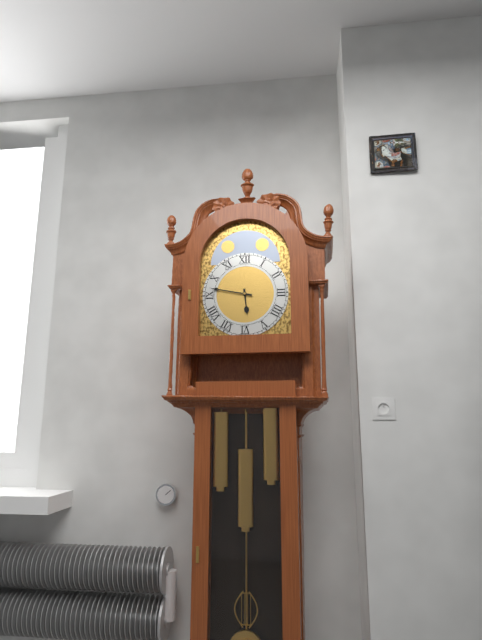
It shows 5.47
